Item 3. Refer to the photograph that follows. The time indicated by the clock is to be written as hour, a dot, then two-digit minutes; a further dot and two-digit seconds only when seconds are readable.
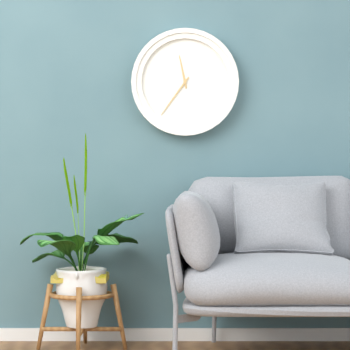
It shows 11.36
